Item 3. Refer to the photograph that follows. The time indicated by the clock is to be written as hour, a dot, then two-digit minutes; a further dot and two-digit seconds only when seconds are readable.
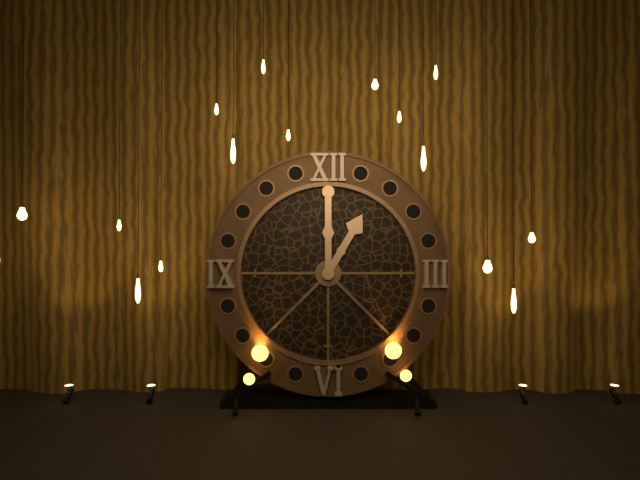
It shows 1.00
